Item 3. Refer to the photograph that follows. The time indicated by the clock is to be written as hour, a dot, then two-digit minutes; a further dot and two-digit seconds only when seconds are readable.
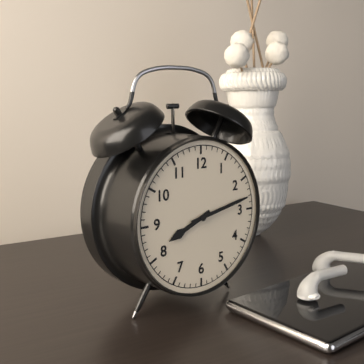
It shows 8.13
